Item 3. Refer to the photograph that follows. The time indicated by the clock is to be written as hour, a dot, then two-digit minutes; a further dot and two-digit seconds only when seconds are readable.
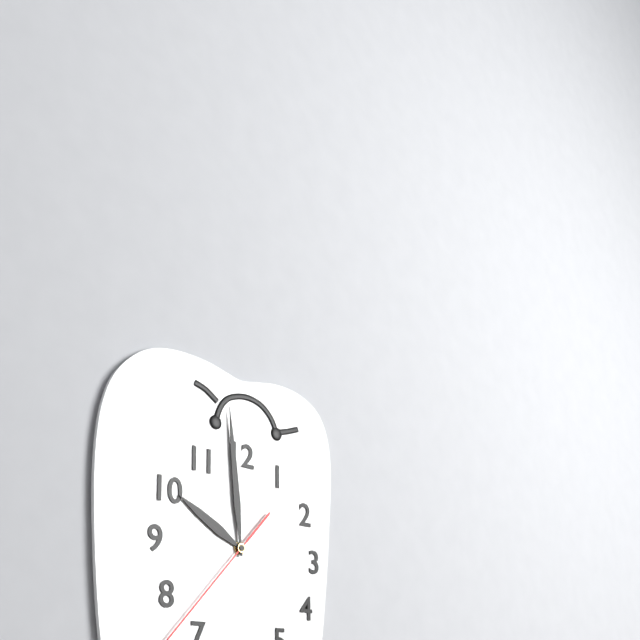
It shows 9.59
